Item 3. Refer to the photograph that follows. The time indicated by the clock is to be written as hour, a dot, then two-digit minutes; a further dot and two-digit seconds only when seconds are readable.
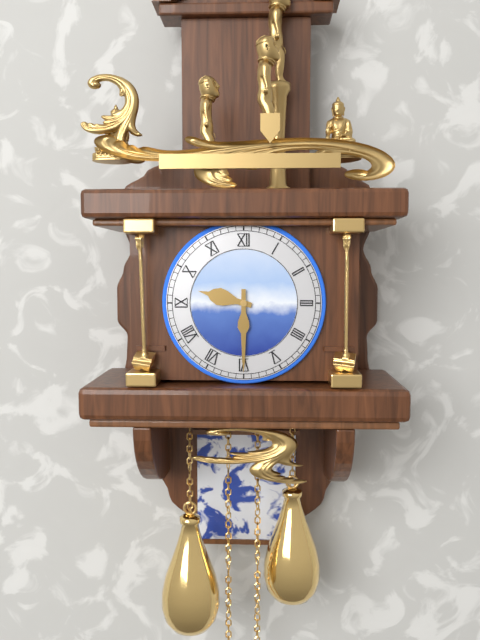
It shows 9.30
